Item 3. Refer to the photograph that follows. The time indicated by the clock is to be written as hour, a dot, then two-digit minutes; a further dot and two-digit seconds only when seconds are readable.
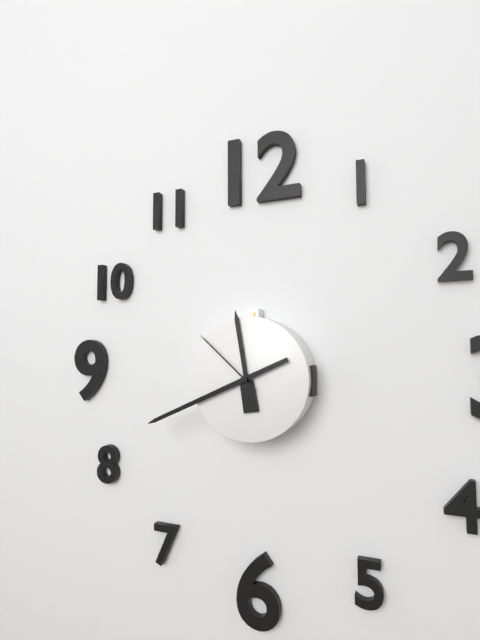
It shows 11.41.52
